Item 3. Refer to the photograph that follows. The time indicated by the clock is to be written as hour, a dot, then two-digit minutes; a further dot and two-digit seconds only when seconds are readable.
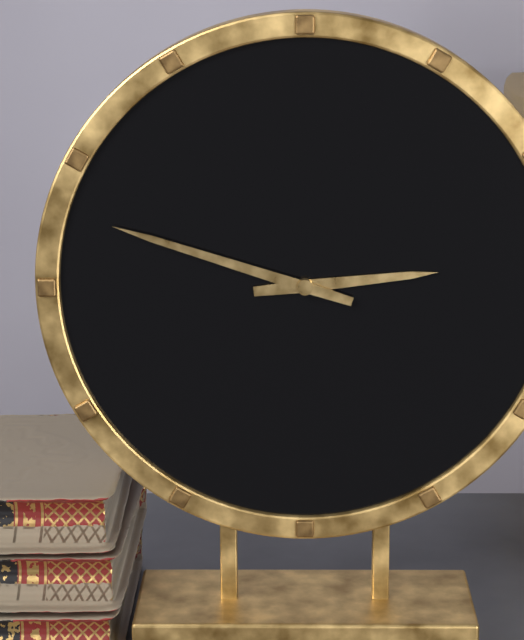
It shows 2.48
